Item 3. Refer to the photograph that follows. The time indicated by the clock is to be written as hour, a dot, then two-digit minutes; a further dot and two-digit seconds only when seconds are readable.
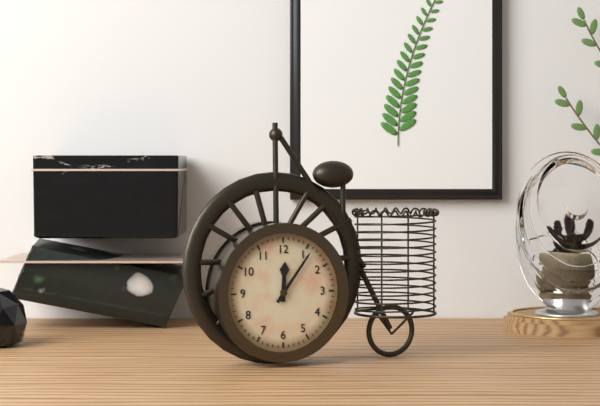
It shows 12.06
